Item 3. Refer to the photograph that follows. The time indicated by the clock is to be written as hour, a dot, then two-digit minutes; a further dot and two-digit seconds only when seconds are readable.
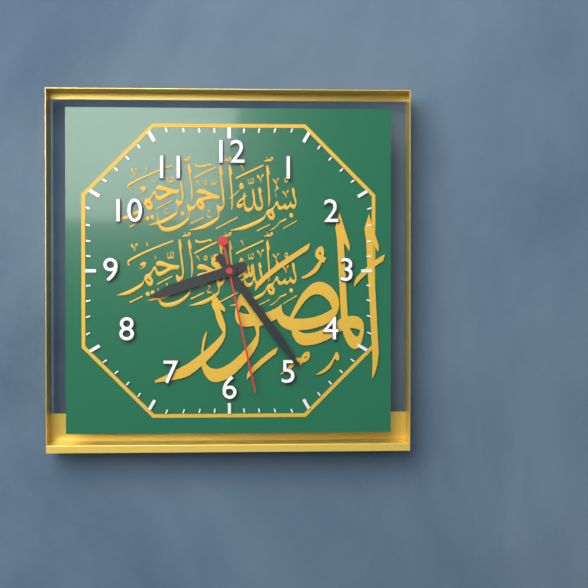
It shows 8.24.28
